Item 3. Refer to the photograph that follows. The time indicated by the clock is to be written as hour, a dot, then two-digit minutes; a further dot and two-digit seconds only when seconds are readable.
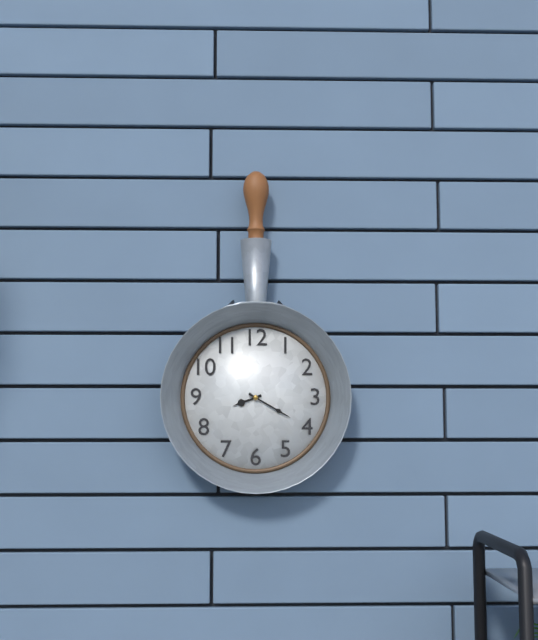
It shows 8.20
